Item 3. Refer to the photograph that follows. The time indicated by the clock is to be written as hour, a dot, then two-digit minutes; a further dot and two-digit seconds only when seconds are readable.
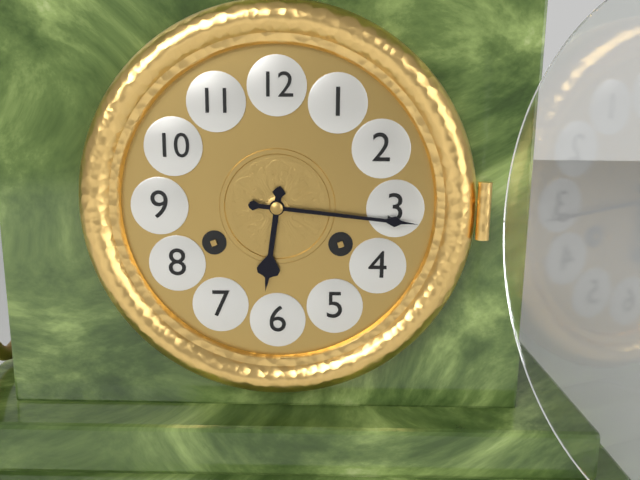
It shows 6.16
